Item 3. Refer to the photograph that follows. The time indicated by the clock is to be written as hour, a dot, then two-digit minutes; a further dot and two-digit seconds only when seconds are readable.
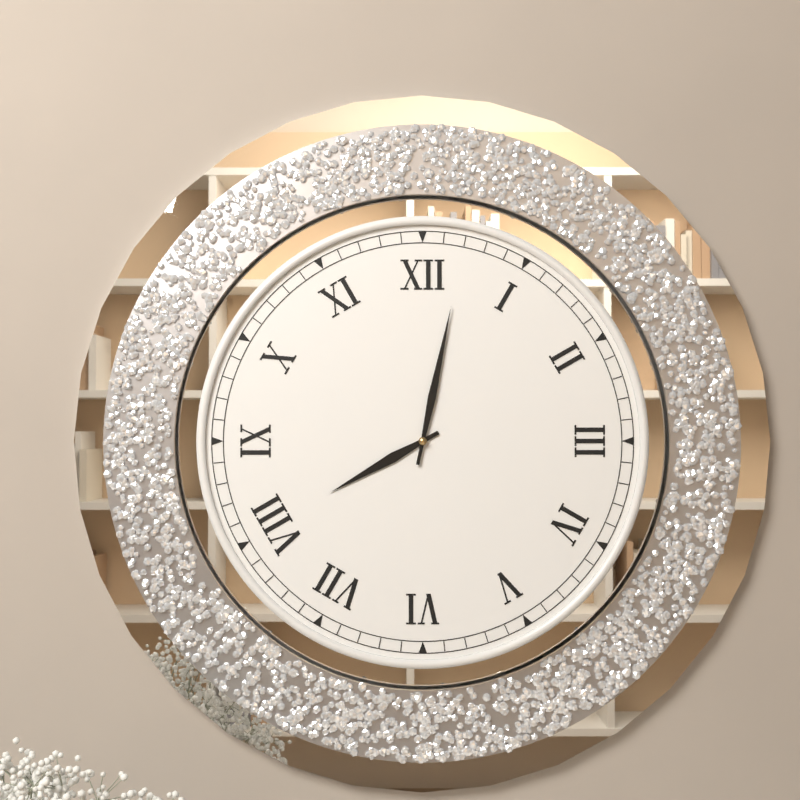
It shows 8.02
